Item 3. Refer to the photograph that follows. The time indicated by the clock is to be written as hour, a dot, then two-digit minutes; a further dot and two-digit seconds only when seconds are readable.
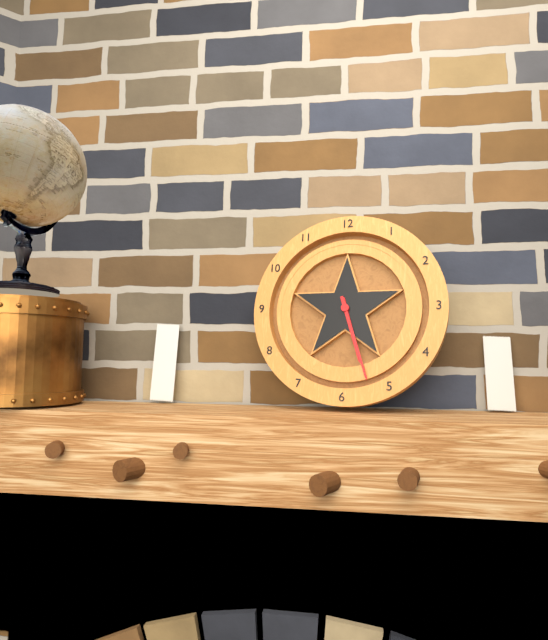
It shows 5.27
